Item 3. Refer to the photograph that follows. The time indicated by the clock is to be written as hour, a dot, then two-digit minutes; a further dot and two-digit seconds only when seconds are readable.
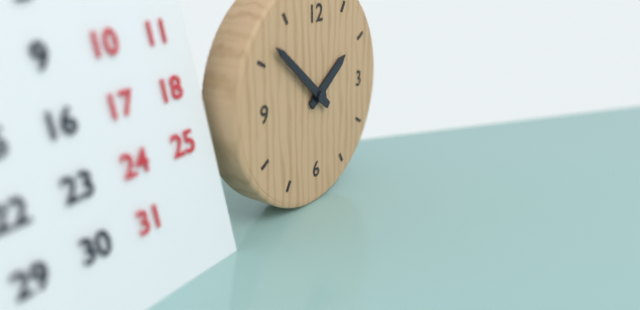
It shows 1.52
